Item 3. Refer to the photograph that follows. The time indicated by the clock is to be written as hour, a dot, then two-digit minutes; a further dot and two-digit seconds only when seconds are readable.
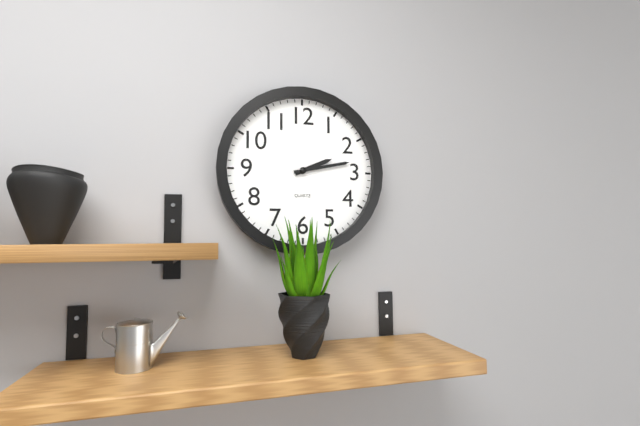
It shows 2.13
